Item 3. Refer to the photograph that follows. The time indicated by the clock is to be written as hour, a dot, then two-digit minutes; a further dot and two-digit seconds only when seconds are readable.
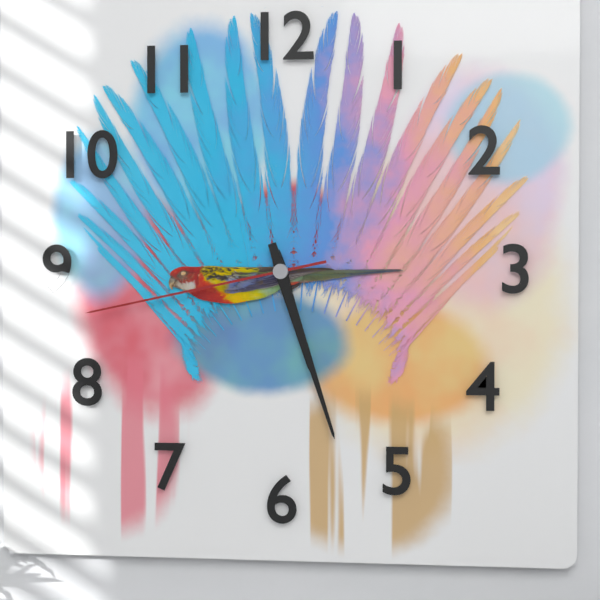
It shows 5.27.43
